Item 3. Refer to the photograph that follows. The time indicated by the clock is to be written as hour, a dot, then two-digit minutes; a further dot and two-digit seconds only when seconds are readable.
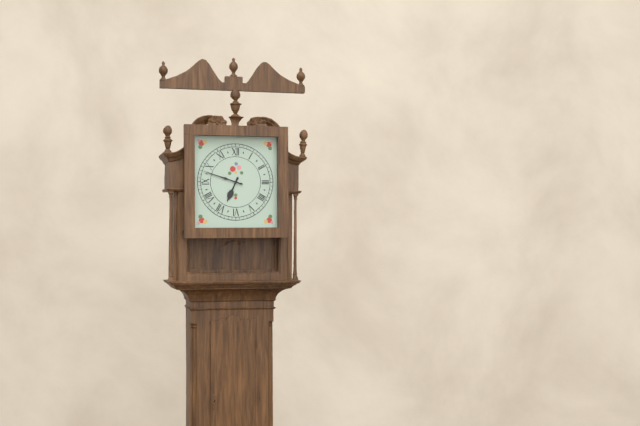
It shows 6.48
